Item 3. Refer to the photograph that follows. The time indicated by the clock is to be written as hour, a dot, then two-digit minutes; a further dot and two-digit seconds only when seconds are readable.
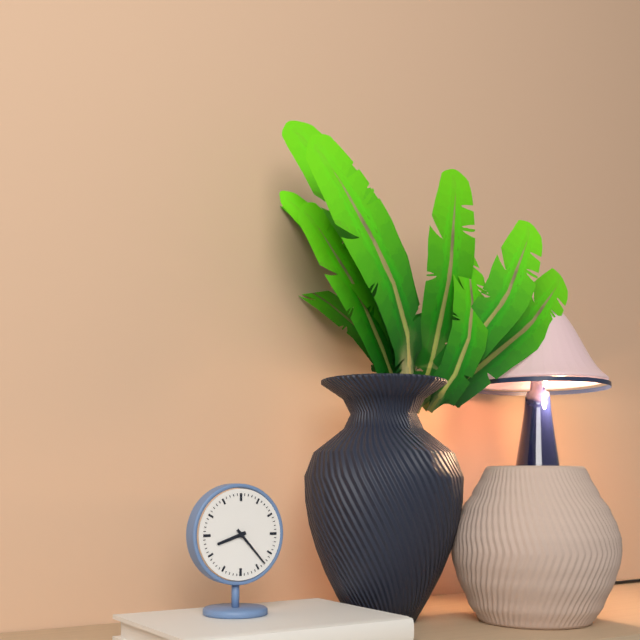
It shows 8.23
